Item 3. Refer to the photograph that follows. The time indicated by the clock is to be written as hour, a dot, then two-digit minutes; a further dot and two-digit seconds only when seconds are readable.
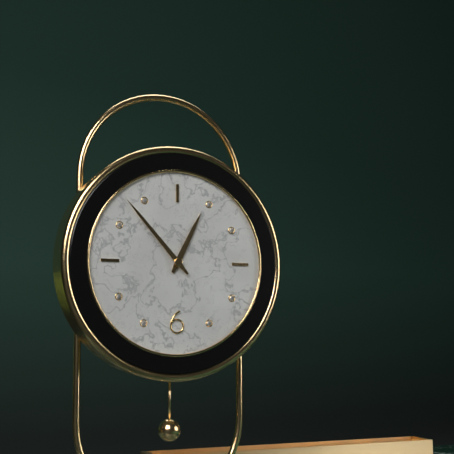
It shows 12.53
